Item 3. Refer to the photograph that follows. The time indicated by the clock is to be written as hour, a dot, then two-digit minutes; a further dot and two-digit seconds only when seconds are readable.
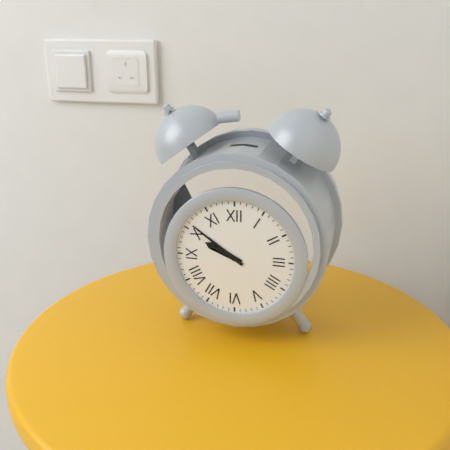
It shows 9.51
